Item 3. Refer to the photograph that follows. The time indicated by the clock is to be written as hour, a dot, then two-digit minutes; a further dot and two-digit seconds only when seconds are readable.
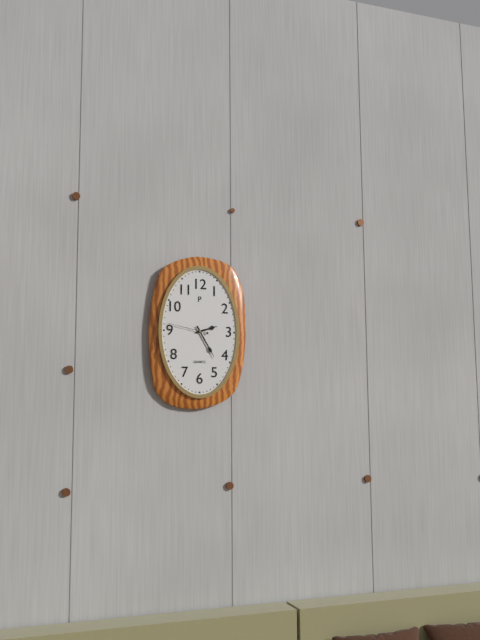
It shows 2.25
